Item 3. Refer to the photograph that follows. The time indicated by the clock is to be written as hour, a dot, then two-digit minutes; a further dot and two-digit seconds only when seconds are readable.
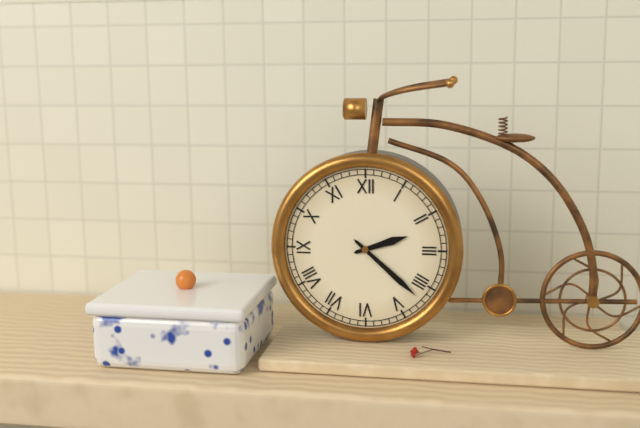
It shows 2.22
